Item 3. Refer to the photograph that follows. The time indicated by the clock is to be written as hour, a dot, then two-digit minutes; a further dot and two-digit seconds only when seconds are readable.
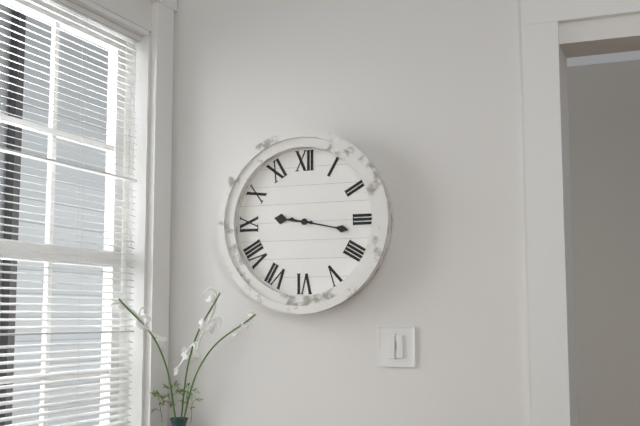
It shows 9.17
